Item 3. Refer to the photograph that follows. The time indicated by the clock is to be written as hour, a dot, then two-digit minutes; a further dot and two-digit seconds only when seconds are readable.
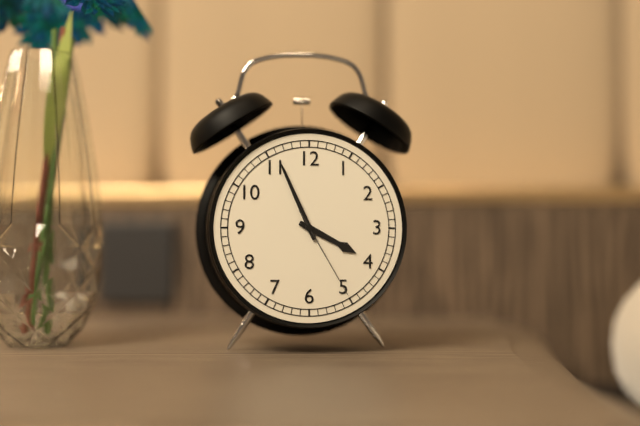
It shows 3.56.25
